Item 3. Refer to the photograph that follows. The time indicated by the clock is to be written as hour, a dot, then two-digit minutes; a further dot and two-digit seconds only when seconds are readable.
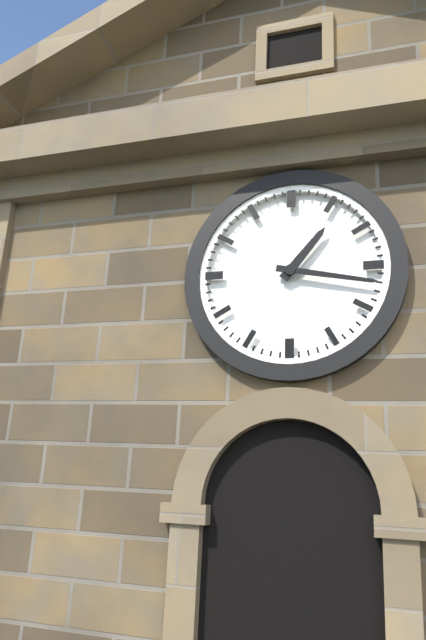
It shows 1.17
